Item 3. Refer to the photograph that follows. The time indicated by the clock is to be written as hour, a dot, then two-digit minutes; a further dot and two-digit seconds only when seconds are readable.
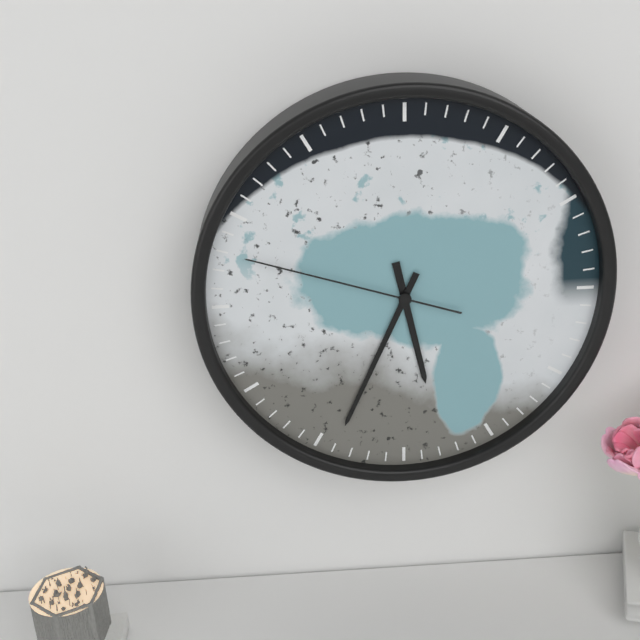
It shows 5.34.48
